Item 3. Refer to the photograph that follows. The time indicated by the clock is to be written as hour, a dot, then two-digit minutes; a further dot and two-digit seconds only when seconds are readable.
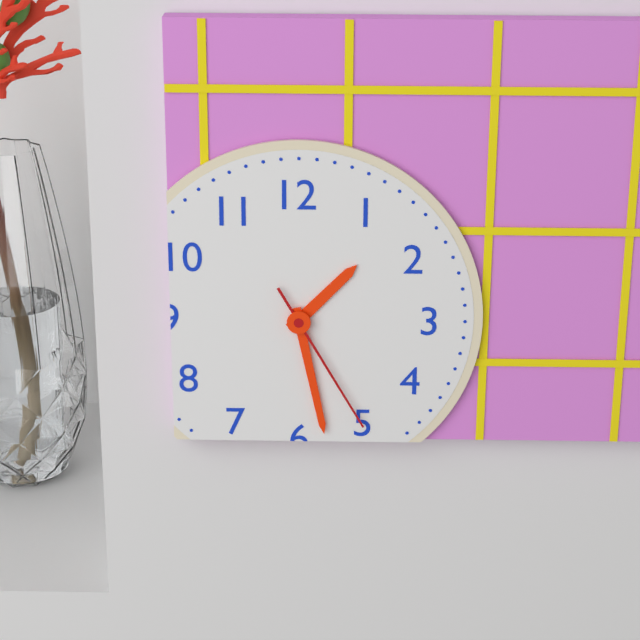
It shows 1.28.25
